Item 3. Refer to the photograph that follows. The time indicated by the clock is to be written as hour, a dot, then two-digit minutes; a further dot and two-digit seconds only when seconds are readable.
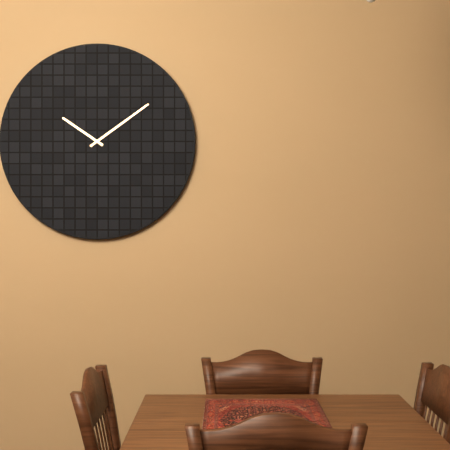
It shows 10.09
